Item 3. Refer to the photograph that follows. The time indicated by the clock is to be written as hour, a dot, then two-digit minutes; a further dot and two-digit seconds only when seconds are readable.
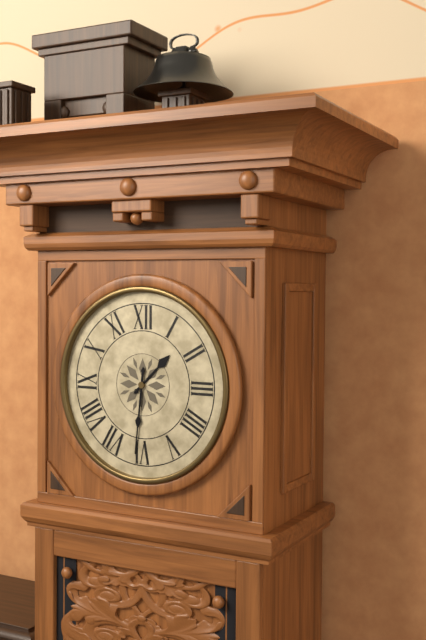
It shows 1.31
